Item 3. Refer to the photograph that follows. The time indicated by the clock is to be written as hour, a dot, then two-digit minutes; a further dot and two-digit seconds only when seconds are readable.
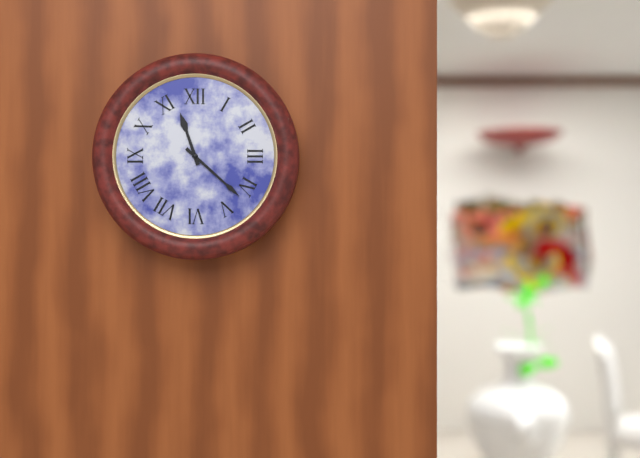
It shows 11.22
